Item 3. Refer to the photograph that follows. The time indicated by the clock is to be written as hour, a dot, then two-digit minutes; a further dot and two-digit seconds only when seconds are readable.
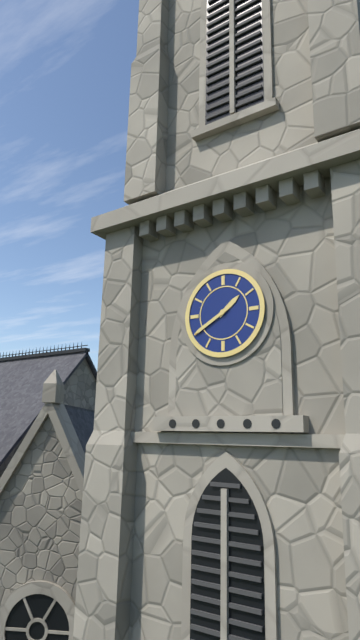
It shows 1.40
